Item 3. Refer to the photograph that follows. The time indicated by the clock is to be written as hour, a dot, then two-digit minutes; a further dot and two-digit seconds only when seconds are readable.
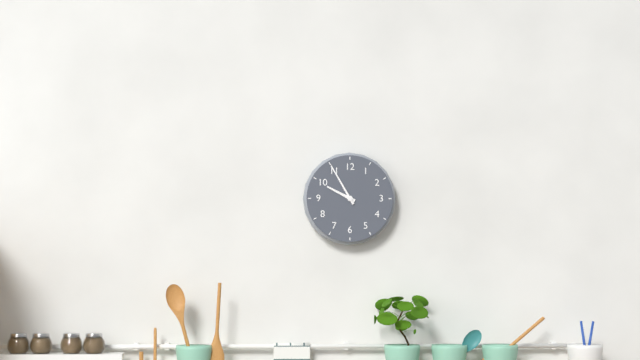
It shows 9.55
